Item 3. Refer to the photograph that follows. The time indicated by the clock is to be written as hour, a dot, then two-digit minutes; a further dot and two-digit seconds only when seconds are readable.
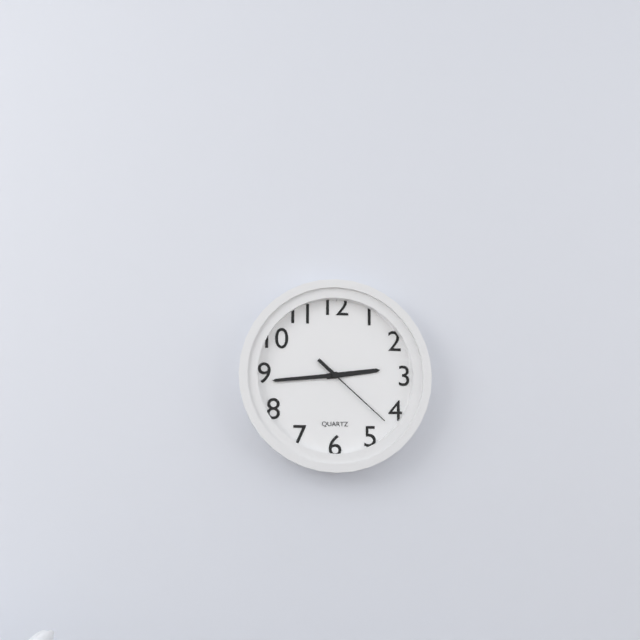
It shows 2.44.22
